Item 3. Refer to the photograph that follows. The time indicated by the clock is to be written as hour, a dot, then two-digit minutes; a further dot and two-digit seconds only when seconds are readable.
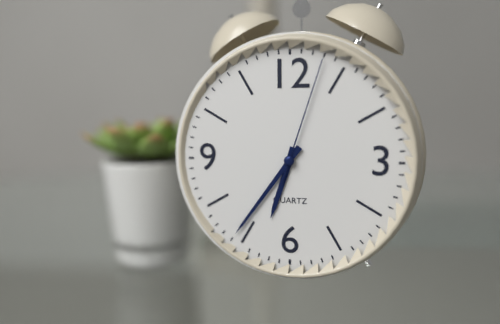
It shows 6.36.03
